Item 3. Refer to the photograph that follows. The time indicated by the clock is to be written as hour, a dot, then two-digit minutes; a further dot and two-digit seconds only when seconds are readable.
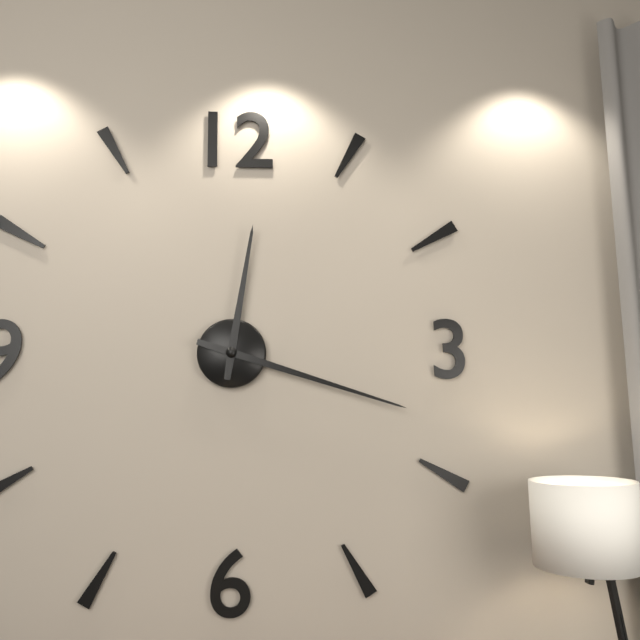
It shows 12.18
